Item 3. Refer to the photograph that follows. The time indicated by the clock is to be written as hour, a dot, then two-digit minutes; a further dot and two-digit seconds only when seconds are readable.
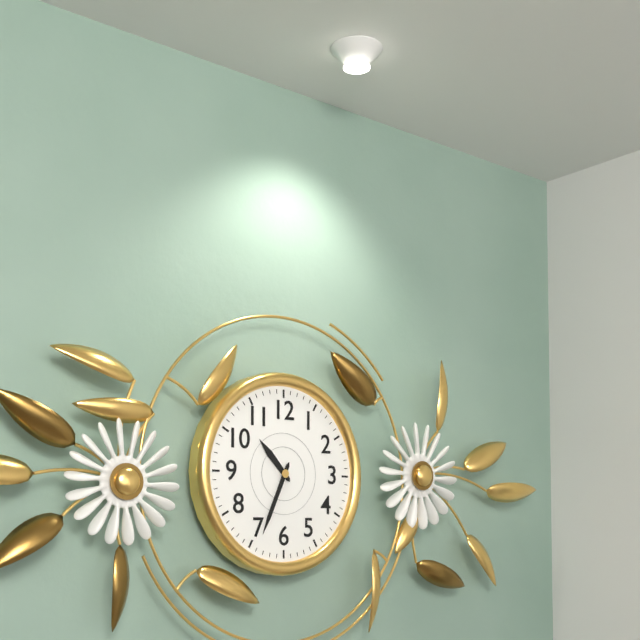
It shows 10.34
